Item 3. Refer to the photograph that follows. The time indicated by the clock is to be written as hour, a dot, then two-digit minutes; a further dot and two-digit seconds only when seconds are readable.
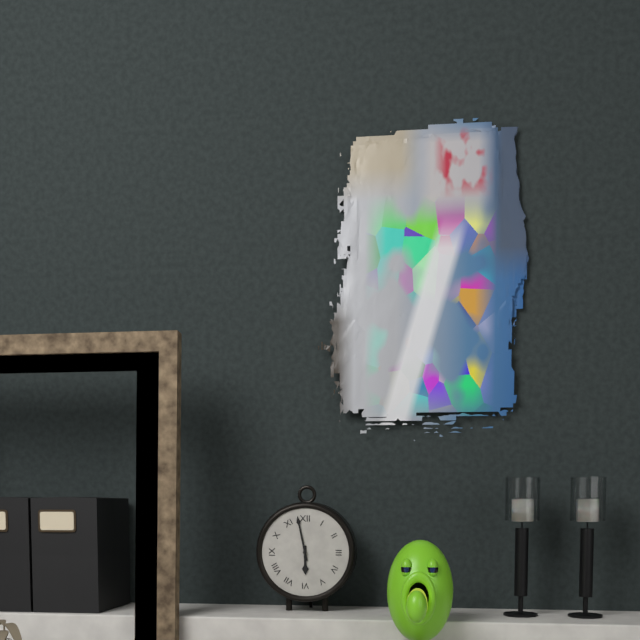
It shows 5.58
